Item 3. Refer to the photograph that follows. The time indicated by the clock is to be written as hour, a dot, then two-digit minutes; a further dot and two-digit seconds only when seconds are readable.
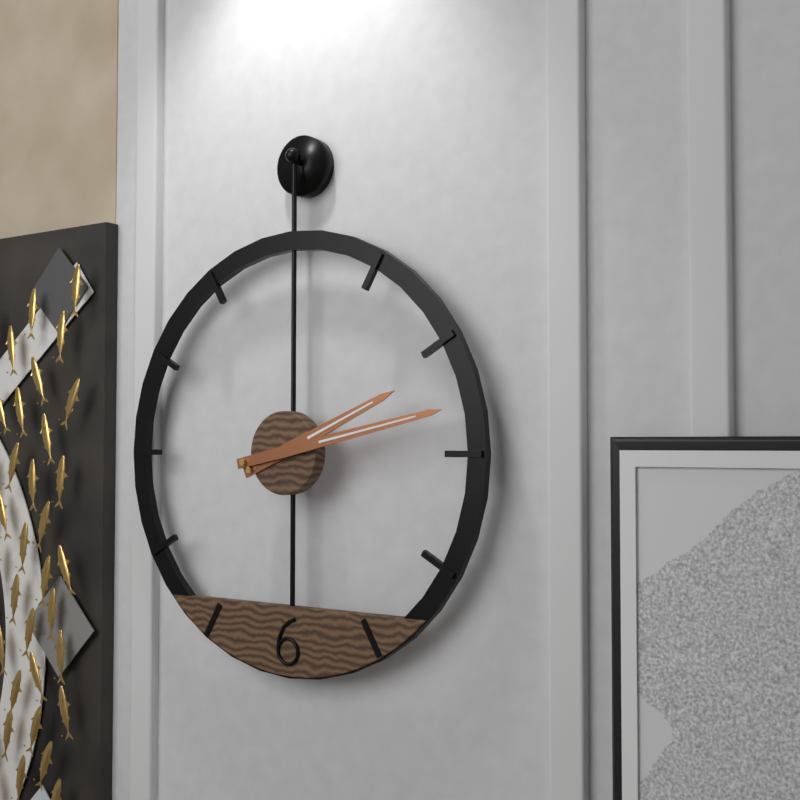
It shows 2.13
